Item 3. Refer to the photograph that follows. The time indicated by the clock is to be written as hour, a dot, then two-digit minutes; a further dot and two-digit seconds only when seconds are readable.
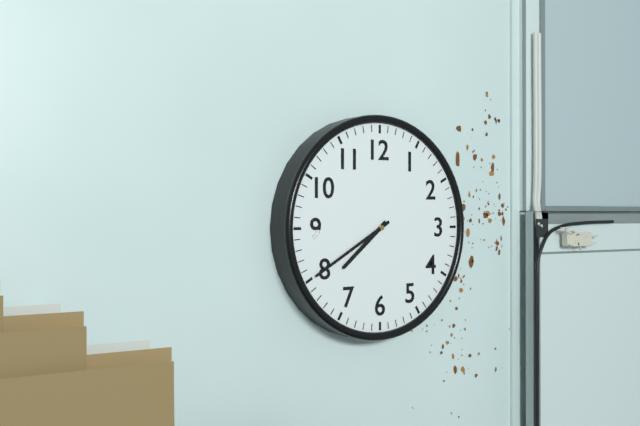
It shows 7.40
